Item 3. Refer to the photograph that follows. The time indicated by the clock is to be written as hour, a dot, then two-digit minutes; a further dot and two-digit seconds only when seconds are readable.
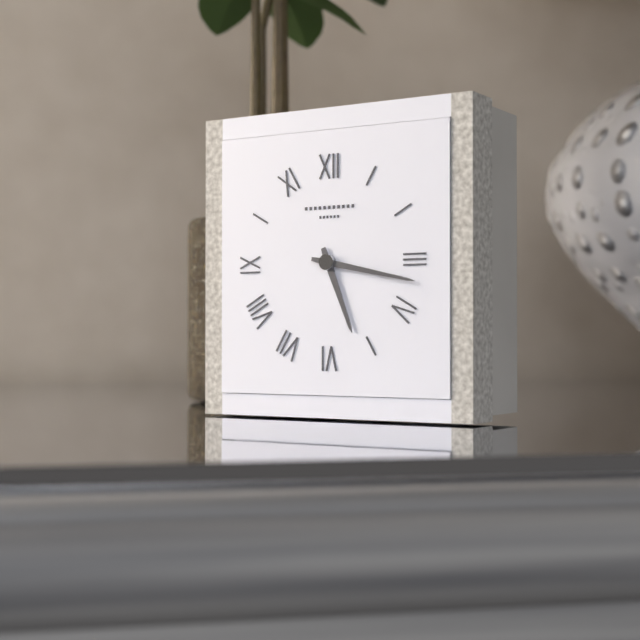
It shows 5.17
